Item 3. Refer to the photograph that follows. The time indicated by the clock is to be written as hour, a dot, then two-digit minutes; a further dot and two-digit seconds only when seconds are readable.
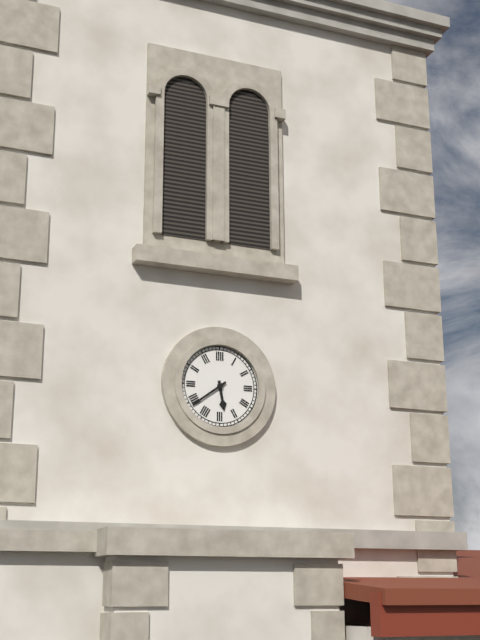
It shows 5.39
